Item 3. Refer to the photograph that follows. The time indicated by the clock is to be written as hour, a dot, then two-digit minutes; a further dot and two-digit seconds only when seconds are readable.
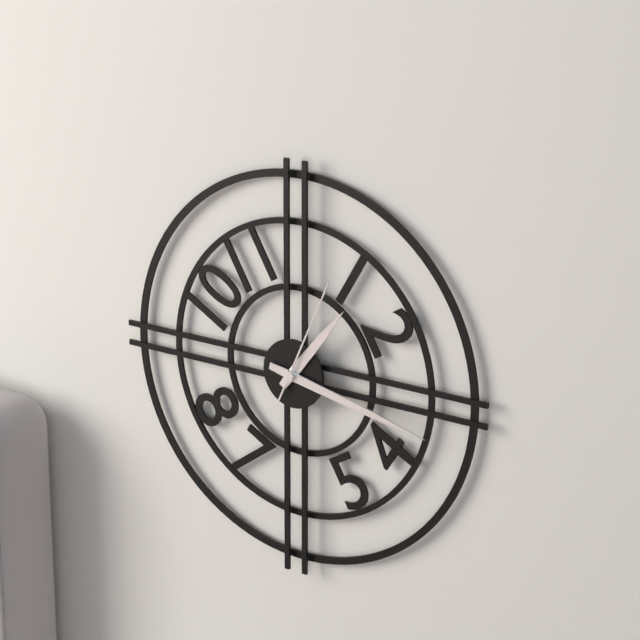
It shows 1.17.04
